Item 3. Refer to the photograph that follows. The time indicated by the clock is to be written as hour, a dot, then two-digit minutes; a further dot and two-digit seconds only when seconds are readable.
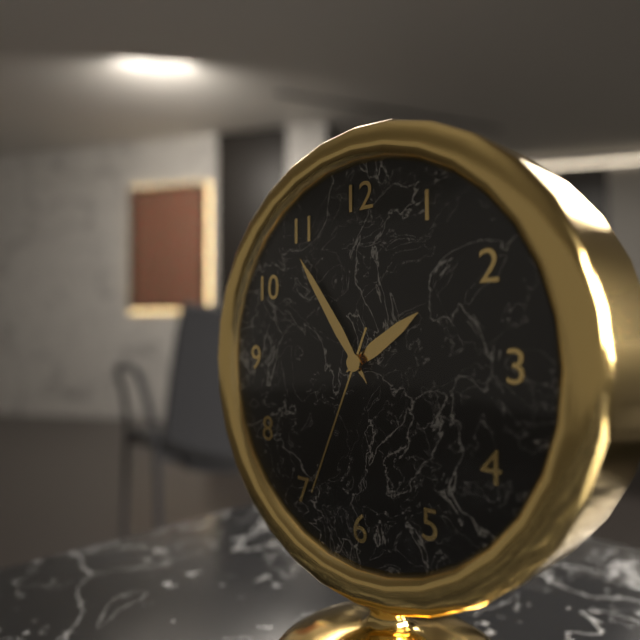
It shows 1.54.34
